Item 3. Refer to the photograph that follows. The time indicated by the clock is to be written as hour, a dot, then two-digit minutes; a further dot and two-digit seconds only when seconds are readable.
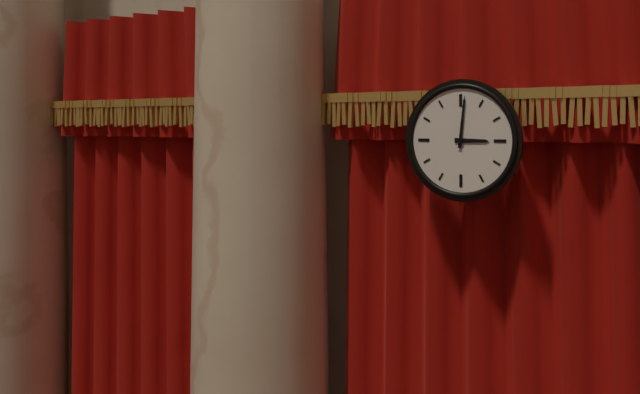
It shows 3.01
